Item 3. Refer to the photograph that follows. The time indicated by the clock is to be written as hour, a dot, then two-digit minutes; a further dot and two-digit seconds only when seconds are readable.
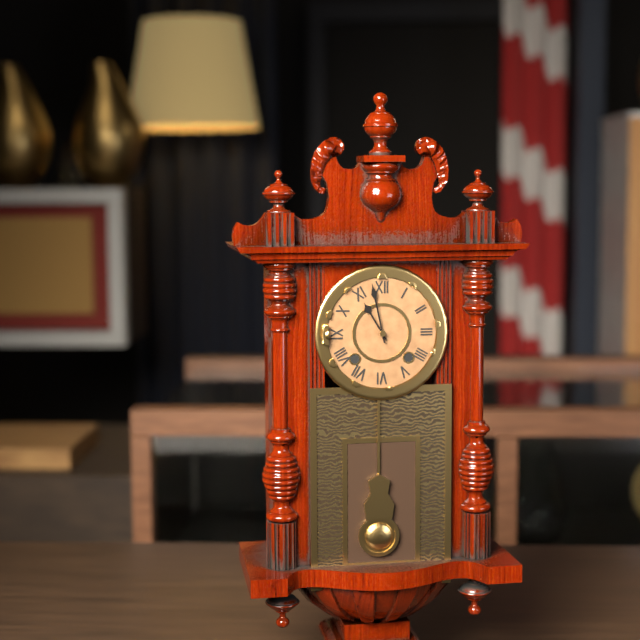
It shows 10.58
